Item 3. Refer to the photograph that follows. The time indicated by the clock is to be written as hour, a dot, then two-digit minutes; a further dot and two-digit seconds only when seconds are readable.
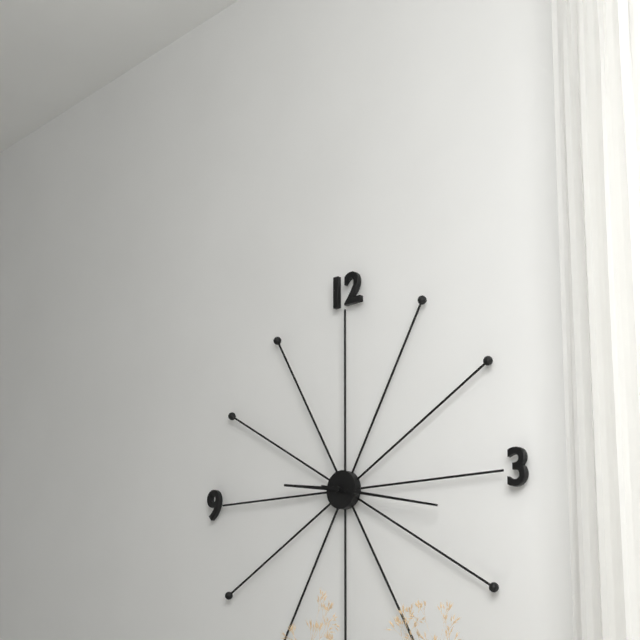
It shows 9.17
